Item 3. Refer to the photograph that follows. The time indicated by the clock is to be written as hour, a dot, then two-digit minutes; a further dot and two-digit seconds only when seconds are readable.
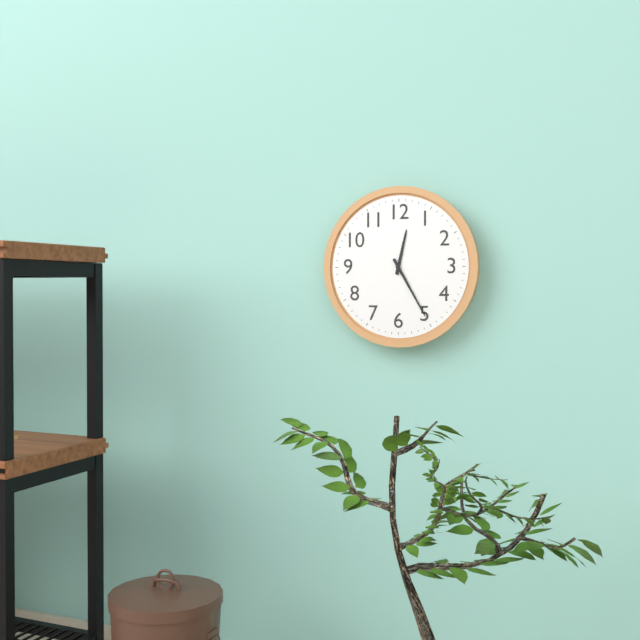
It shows 12.25
